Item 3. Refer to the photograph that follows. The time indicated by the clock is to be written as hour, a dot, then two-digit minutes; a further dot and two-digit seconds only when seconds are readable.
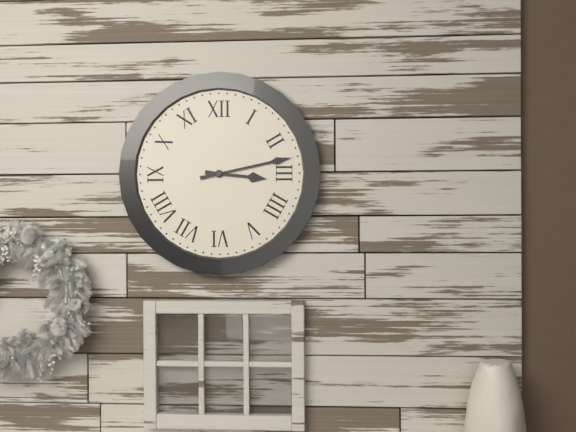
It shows 3.13
